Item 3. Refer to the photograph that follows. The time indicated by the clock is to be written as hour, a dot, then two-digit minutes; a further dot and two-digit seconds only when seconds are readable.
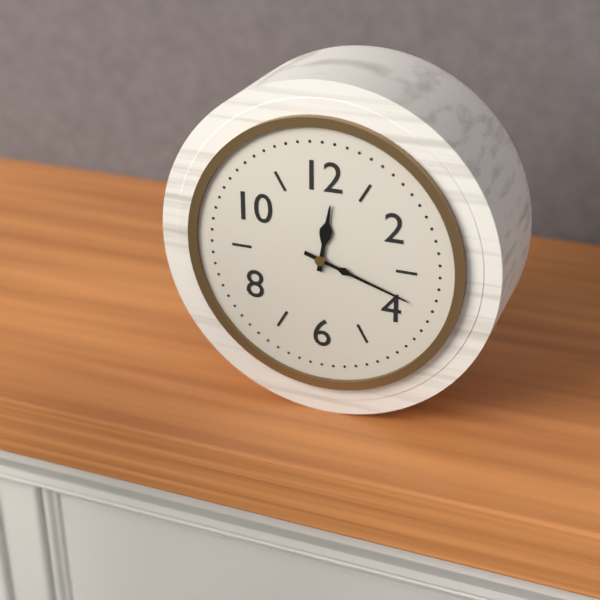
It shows 12.18
